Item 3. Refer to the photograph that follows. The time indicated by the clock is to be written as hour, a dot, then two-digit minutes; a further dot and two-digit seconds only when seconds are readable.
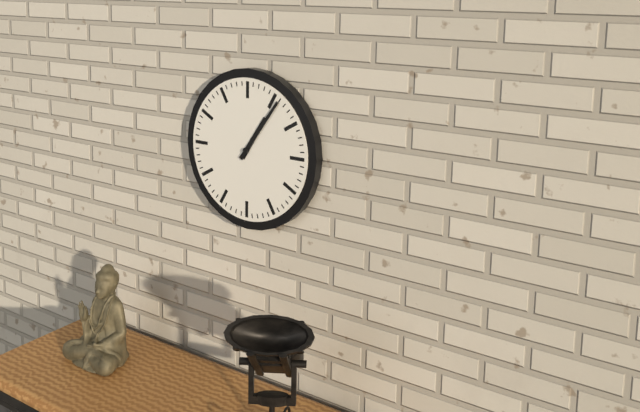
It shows 1.06
